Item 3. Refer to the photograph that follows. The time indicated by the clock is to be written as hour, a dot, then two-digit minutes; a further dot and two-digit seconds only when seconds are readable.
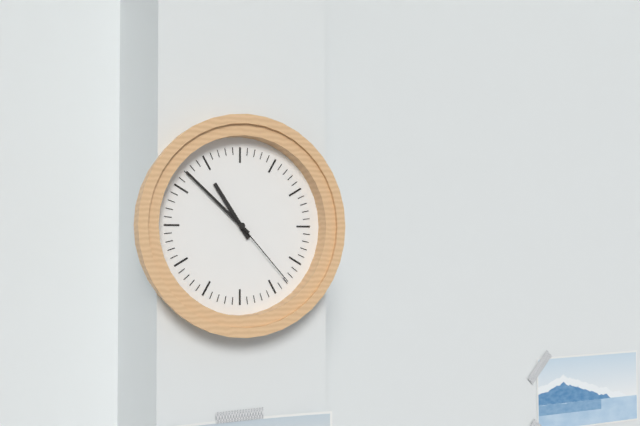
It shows 10.52.23
